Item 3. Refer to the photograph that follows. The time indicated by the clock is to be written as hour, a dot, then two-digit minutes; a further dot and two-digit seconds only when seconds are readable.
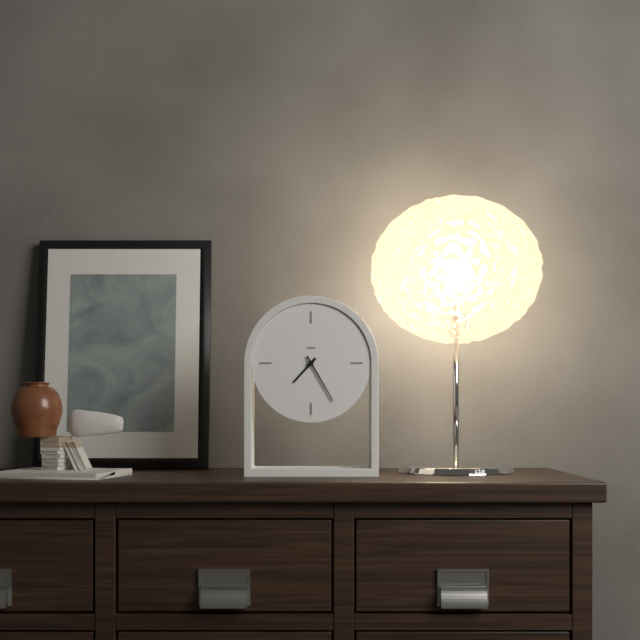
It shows 7.25
